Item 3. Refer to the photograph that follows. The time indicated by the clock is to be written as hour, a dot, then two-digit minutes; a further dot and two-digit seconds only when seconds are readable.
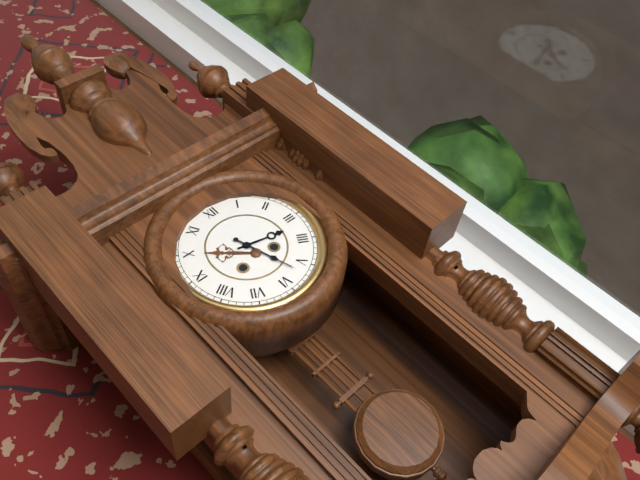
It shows 3.27
